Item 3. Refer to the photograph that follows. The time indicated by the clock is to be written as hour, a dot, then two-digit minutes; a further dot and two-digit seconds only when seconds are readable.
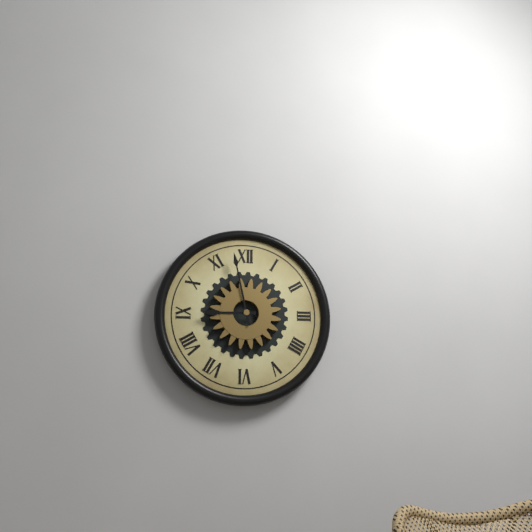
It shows 8.58
